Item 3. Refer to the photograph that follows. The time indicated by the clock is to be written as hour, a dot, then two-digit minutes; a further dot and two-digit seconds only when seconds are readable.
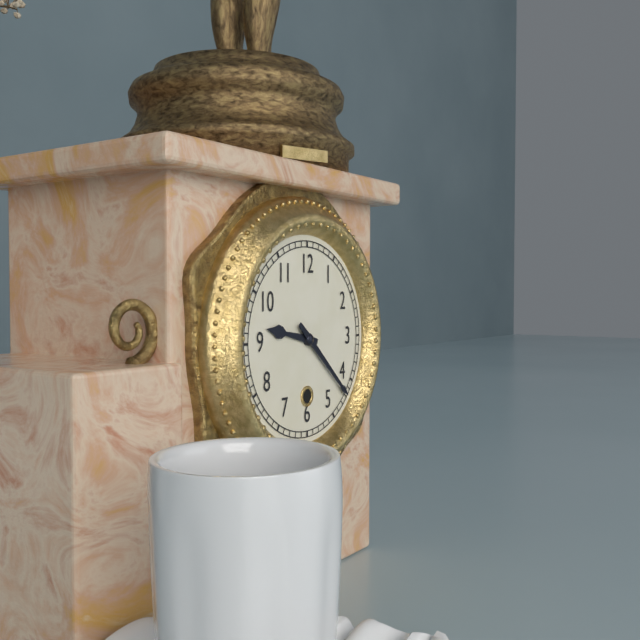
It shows 9.22
